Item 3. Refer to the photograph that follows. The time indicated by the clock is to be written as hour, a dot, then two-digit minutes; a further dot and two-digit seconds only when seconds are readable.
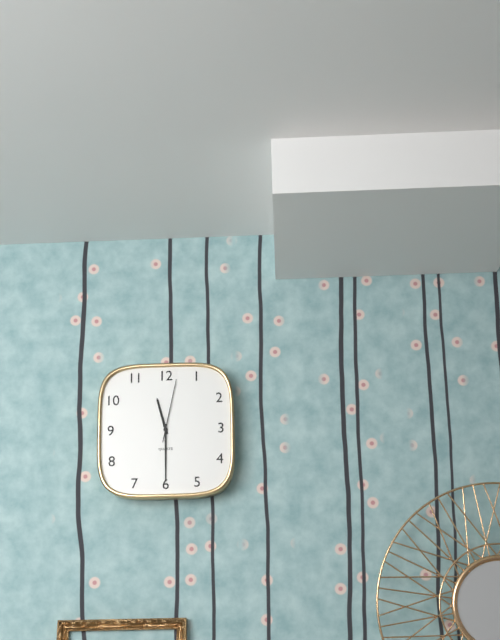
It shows 11.30.02
